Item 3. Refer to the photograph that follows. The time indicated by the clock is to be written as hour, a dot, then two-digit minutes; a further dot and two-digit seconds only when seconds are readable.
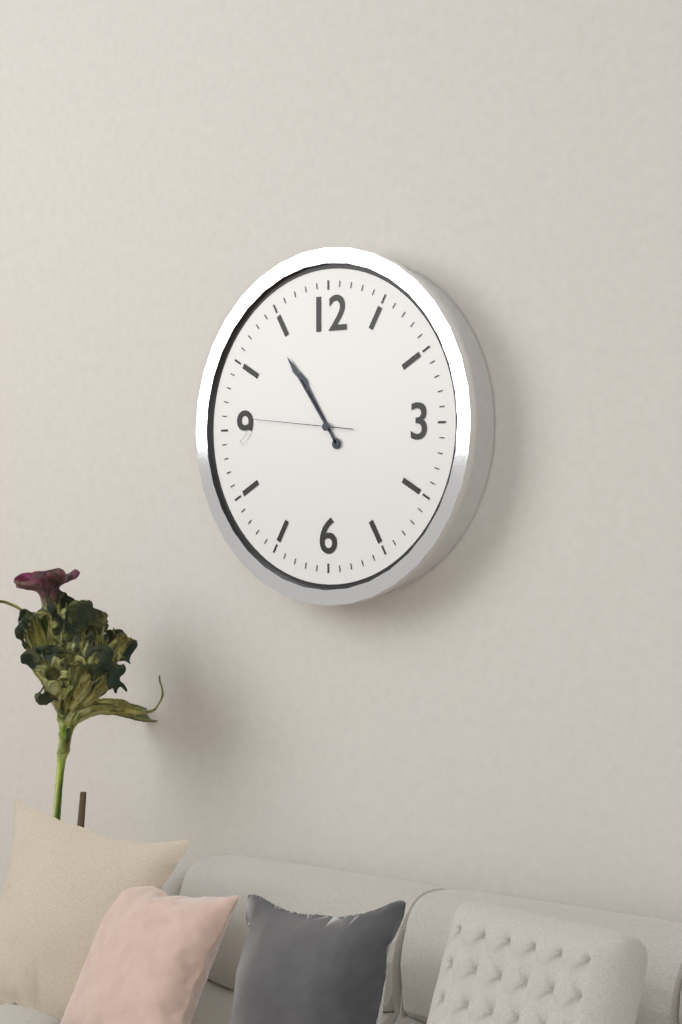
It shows 10.54.46
